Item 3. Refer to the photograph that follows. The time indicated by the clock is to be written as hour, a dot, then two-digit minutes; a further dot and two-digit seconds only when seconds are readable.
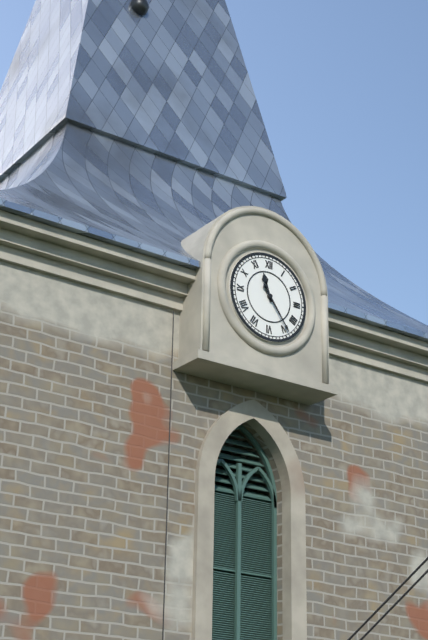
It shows 11.24
